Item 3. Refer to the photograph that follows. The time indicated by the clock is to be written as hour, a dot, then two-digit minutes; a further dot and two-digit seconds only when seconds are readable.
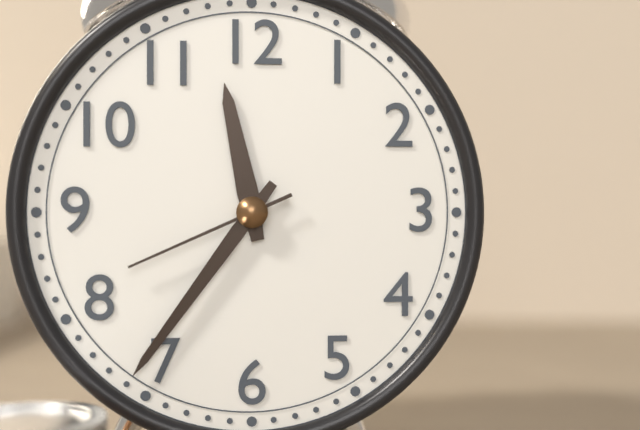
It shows 11.36.41
